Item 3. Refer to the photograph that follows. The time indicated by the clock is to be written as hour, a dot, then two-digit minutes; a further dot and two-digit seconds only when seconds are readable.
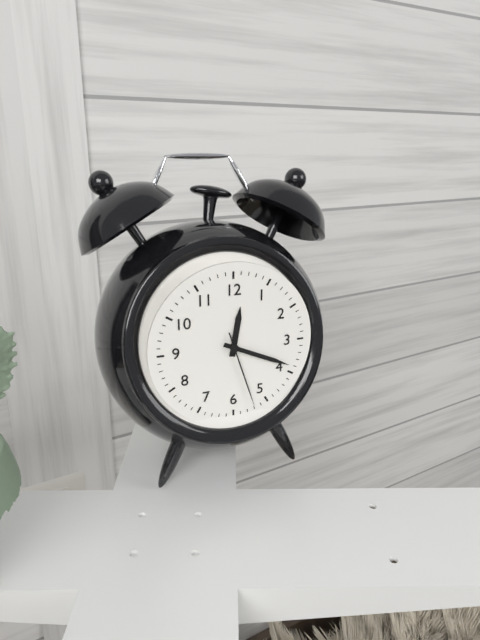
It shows 12.19.27
